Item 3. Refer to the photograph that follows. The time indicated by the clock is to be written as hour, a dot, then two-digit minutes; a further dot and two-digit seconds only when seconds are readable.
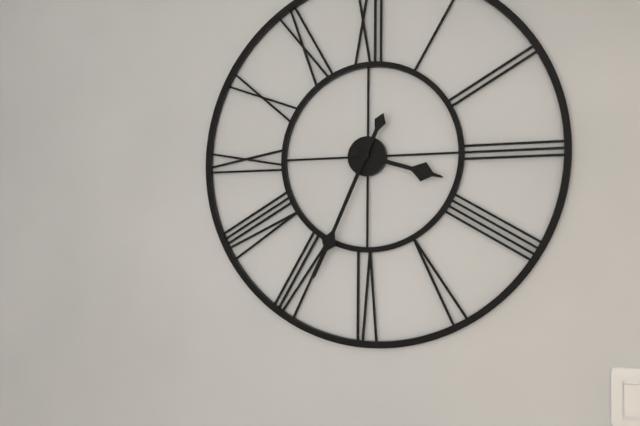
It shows 3.34
